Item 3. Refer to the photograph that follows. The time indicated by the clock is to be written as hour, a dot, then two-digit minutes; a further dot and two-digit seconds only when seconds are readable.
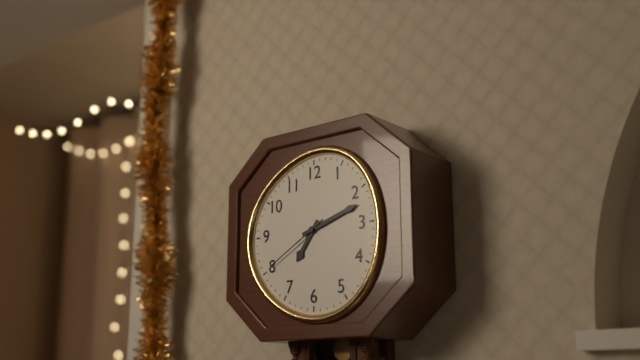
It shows 7.12.40
